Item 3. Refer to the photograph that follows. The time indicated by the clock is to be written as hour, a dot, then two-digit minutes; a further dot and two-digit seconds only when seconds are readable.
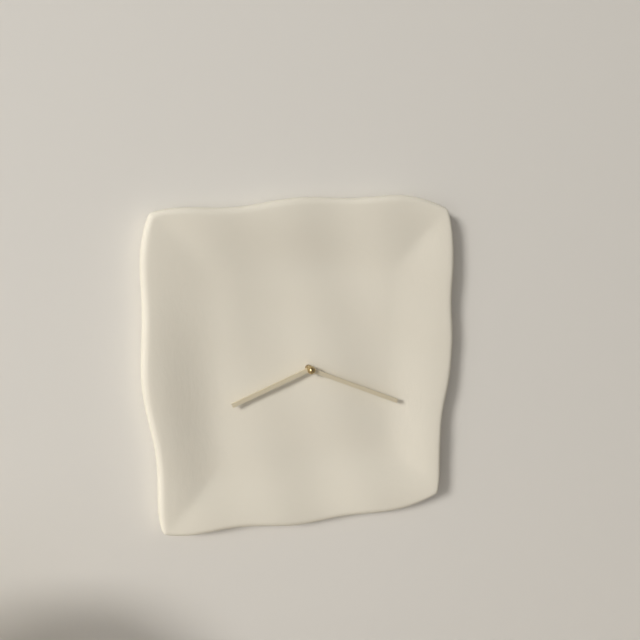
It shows 8.19
